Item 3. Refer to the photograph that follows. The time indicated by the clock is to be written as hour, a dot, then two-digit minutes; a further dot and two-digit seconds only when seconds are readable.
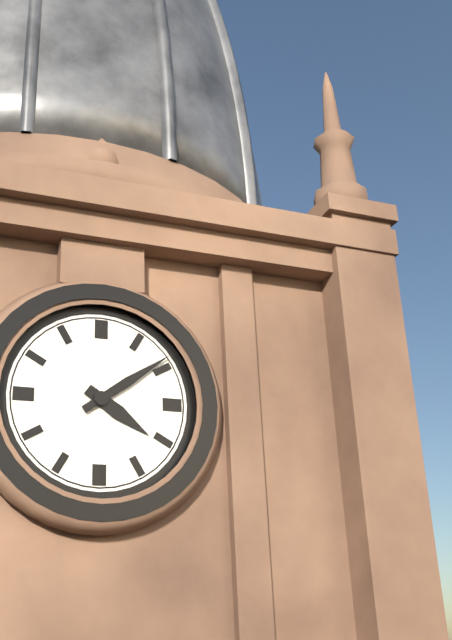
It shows 4.09
